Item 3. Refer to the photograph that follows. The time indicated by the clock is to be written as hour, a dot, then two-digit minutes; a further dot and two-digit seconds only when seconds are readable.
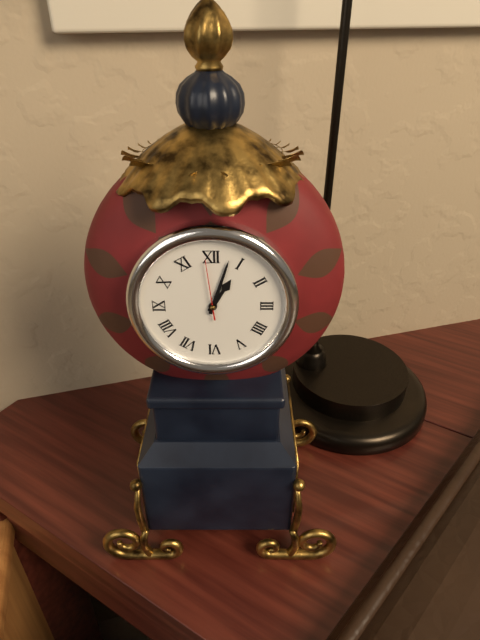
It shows 1.03.59
